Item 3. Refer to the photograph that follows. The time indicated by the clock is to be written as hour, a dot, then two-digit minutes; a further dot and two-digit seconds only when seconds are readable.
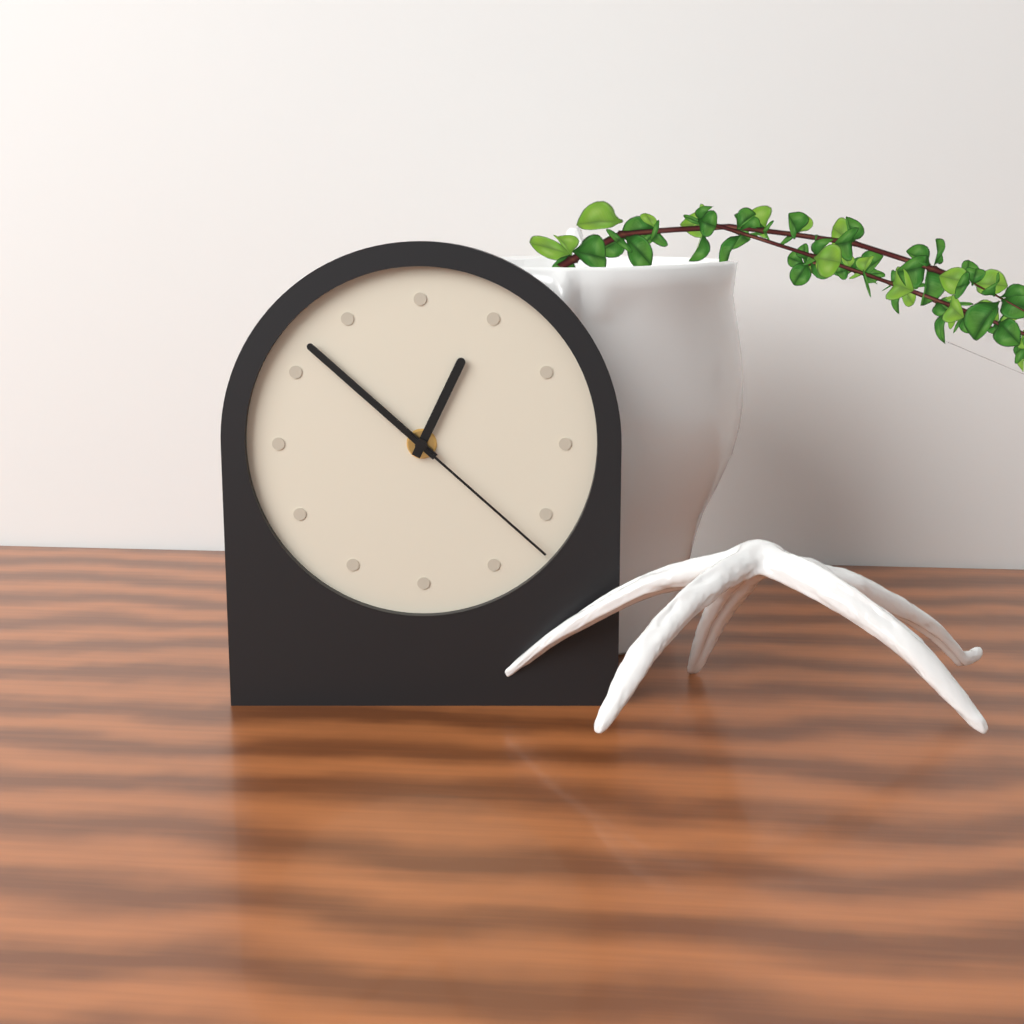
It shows 12.52.22
